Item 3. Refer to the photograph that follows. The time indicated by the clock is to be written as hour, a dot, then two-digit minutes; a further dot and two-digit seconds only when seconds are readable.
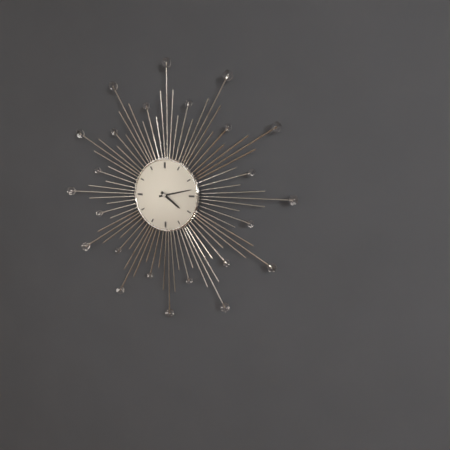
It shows 4.13
